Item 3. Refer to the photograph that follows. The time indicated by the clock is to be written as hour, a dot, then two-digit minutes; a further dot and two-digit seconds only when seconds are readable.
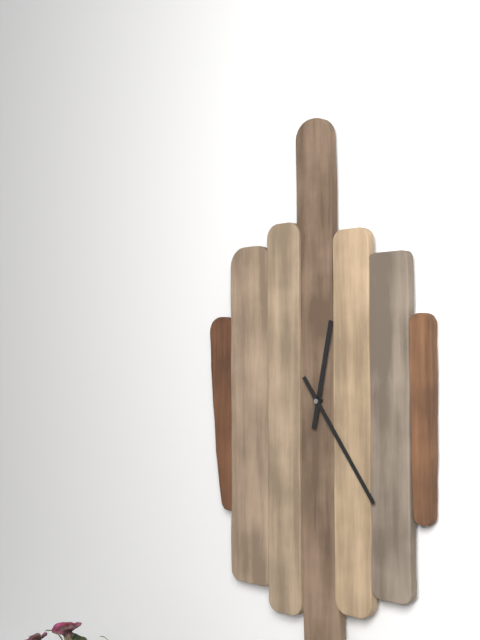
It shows 12.24
